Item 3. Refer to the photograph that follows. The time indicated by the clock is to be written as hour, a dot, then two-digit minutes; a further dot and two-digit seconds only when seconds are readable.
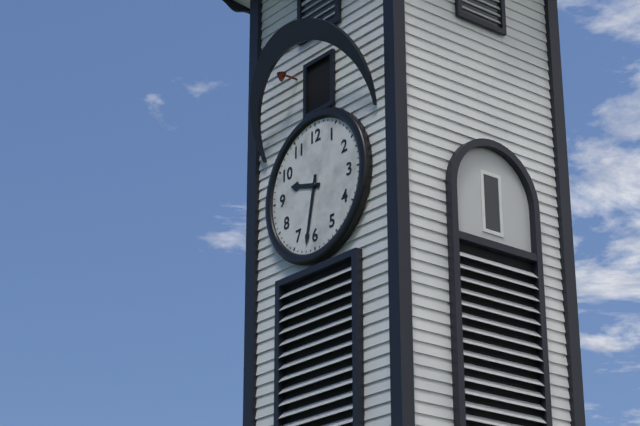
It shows 9.32
